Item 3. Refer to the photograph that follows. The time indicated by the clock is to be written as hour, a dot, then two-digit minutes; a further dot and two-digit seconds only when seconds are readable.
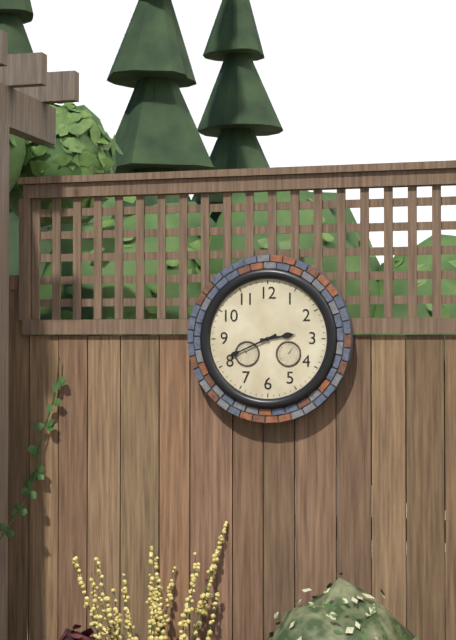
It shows 2.41
